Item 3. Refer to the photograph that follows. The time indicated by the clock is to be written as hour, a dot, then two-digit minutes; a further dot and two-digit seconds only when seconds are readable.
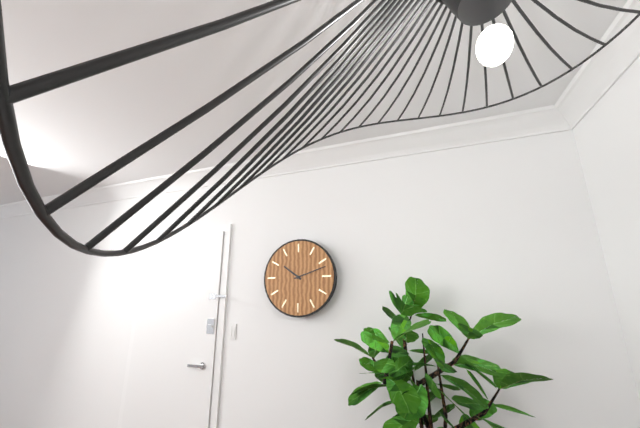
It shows 10.12
